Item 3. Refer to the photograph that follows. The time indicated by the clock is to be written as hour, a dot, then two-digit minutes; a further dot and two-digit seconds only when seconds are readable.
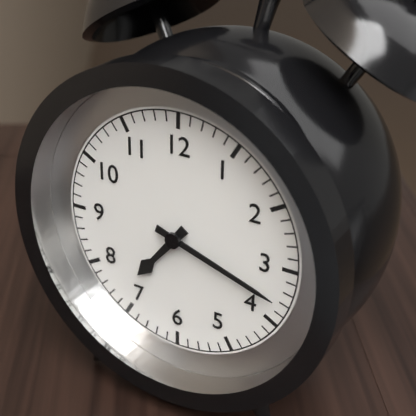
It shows 7.18
